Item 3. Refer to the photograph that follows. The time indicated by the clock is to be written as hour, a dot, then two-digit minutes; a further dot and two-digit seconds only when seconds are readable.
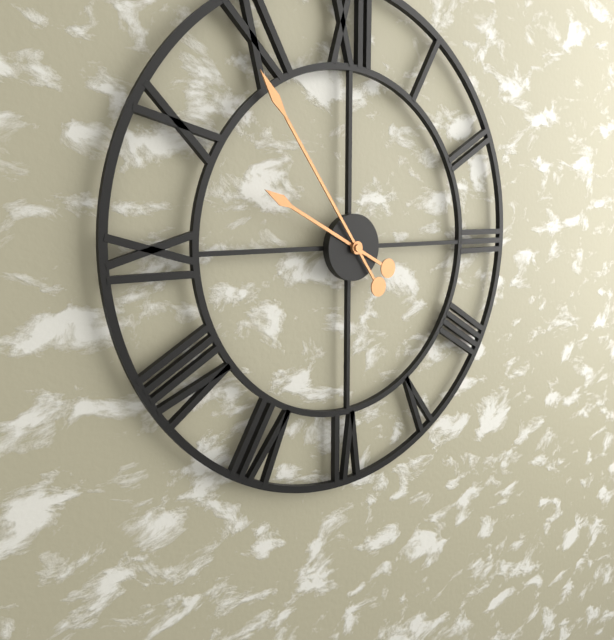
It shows 9.54
